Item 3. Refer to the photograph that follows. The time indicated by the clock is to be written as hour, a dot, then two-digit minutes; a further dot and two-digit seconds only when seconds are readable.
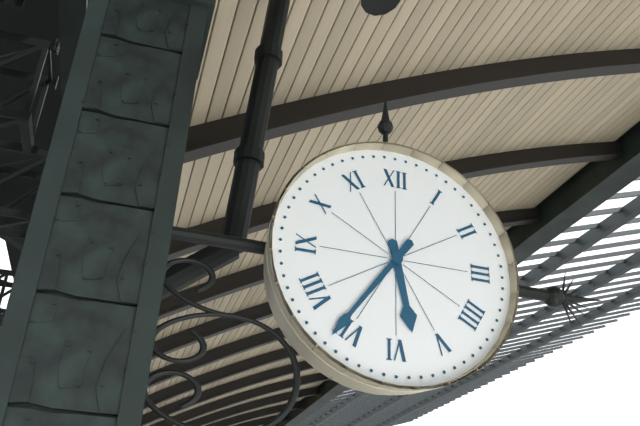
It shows 5.36
